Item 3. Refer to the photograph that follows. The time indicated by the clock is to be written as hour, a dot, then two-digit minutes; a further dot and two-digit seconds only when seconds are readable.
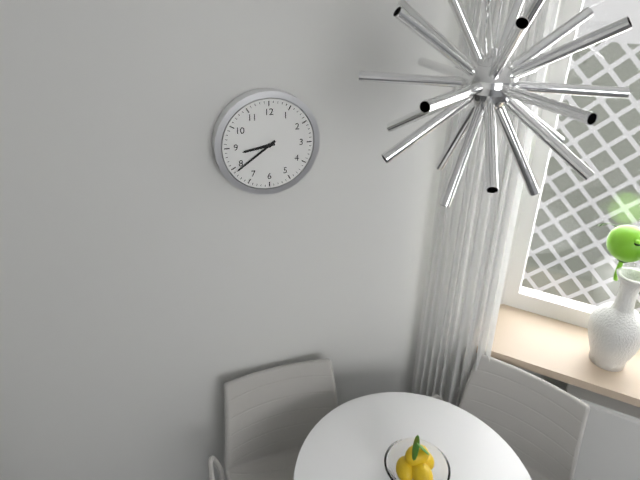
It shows 8.39
